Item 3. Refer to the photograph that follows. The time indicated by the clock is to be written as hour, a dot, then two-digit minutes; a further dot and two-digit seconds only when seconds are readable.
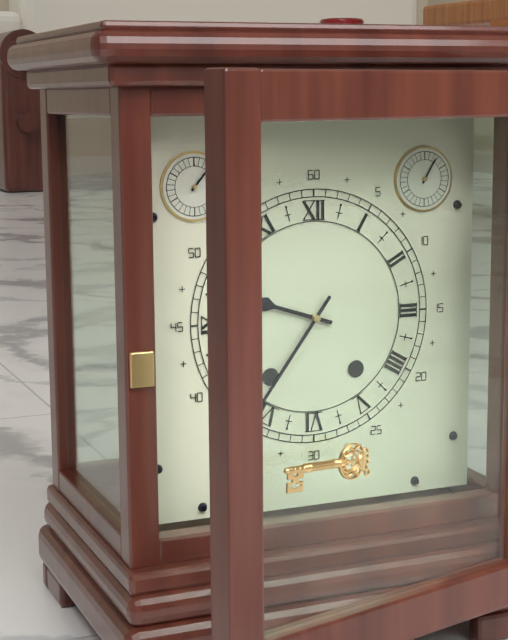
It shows 9.36
